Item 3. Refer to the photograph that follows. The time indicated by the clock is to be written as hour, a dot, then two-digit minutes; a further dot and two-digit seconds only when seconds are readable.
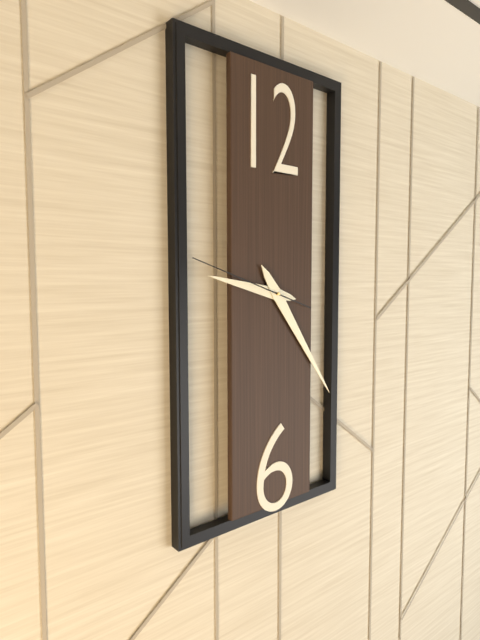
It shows 9.24.48
